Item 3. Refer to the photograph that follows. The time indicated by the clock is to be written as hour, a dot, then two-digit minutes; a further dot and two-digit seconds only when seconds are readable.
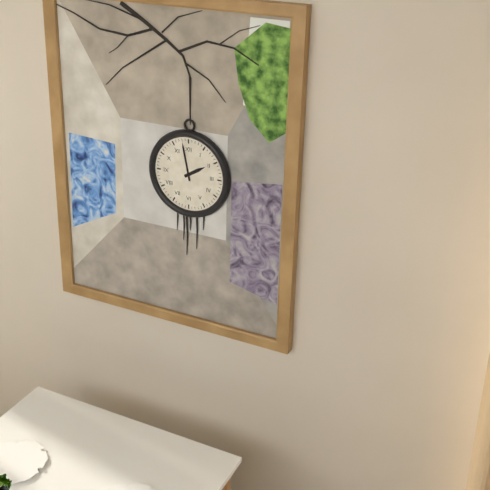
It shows 1.58
